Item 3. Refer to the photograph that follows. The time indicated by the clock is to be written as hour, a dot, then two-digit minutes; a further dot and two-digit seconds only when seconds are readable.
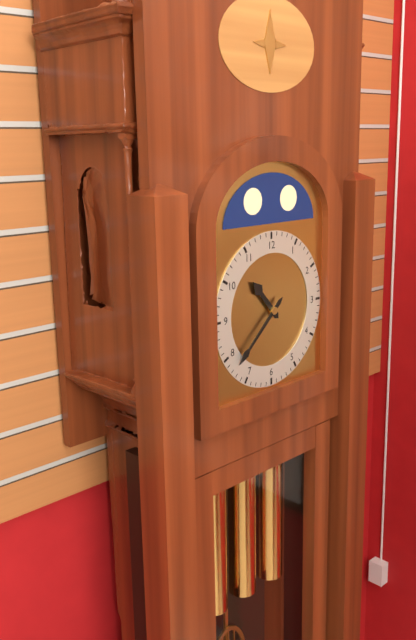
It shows 10.38
